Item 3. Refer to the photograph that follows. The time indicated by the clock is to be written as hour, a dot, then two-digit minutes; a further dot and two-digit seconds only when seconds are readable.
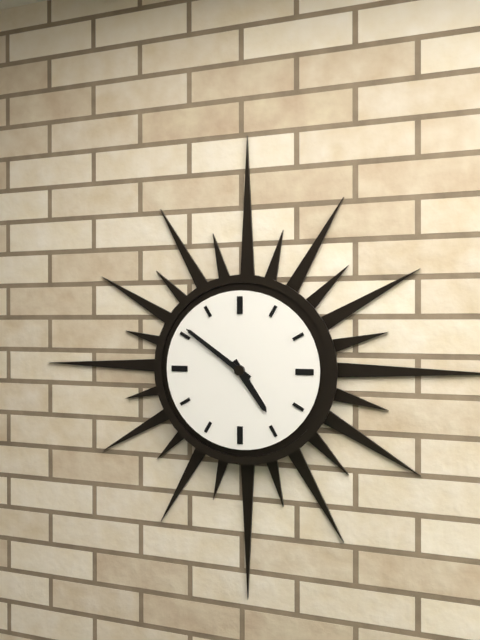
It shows 4.51
